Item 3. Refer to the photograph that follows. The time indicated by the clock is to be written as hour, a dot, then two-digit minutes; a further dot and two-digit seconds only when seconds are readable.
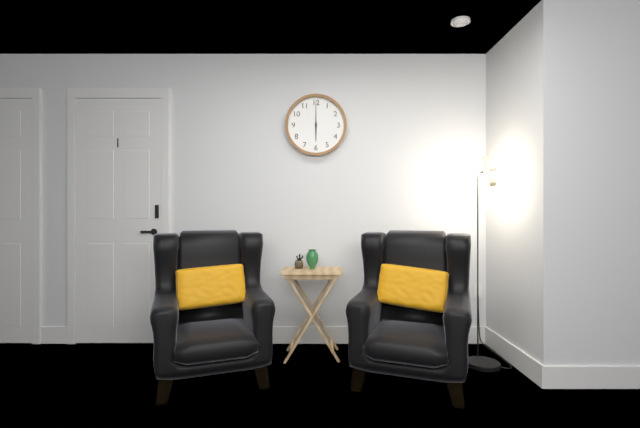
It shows 6.00
